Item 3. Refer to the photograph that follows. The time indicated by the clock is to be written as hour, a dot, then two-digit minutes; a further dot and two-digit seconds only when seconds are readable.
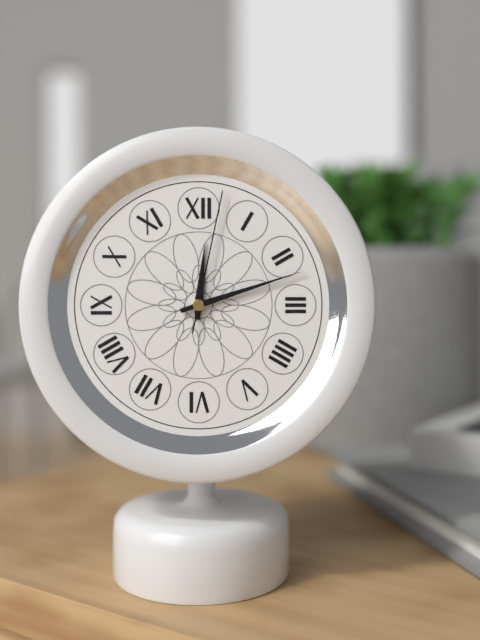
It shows 12.12.02
